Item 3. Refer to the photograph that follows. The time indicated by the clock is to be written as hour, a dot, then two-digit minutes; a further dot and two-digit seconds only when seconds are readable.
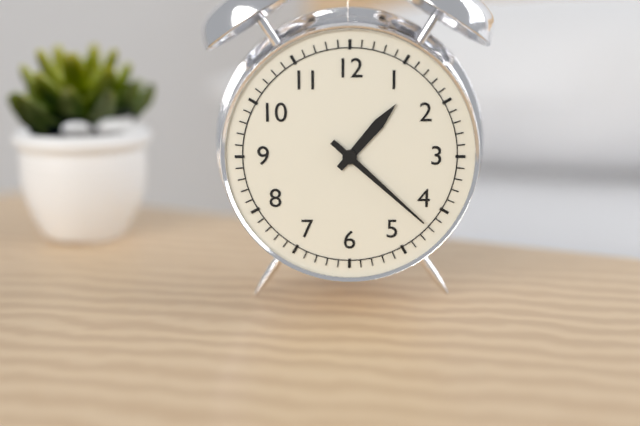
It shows 1.22
